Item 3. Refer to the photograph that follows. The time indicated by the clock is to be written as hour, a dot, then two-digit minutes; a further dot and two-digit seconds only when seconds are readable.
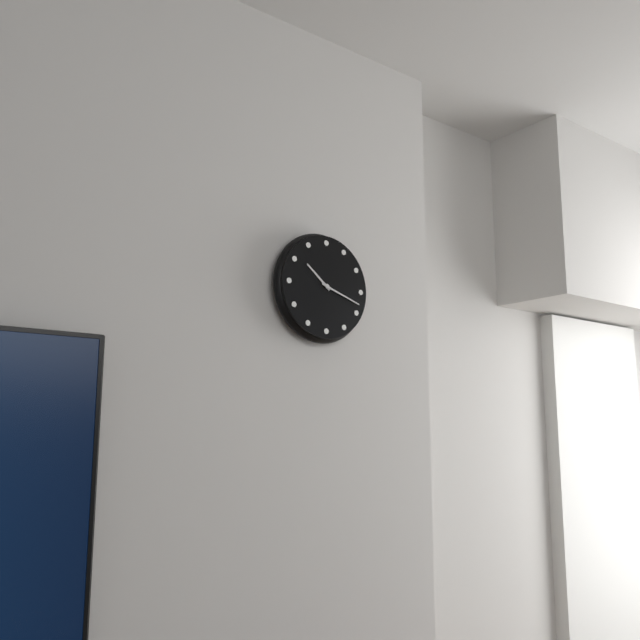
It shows 10.18
